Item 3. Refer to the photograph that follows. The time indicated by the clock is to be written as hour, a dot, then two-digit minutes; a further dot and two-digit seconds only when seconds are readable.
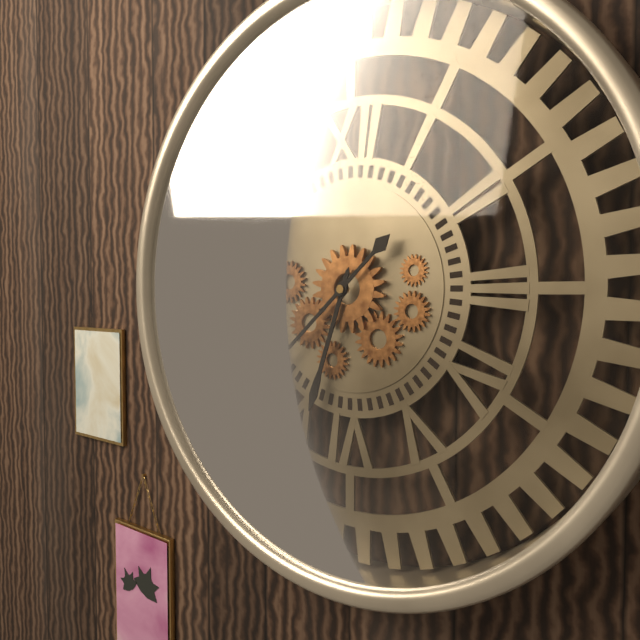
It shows 6.38
